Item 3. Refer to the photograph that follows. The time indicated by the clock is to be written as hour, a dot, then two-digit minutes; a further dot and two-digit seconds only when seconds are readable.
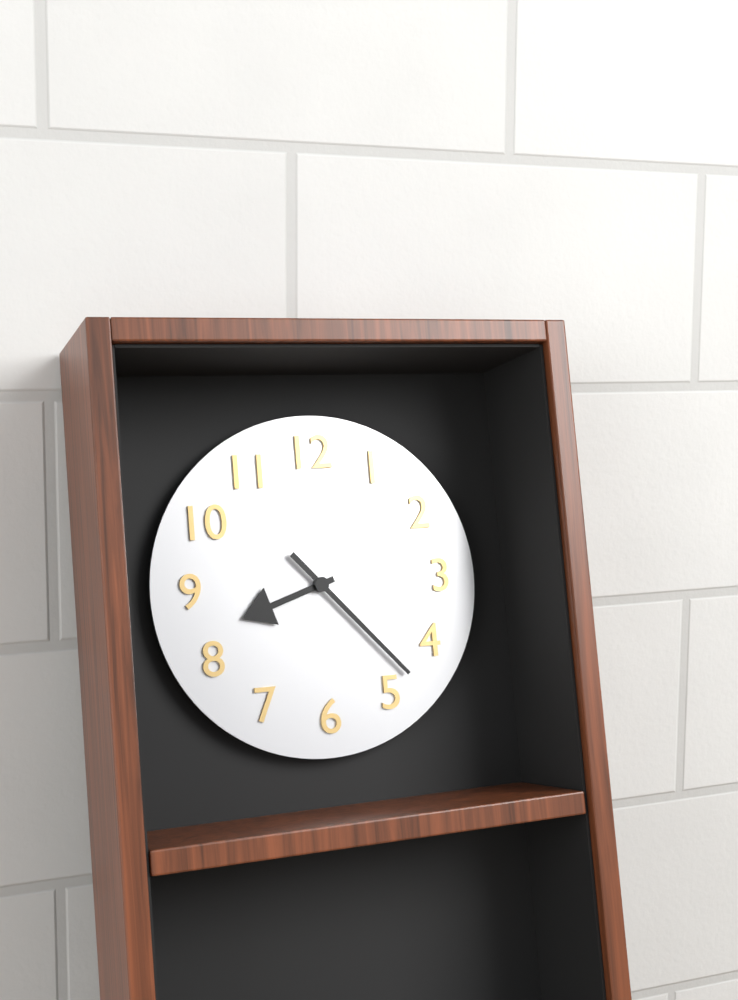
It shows 8.23
